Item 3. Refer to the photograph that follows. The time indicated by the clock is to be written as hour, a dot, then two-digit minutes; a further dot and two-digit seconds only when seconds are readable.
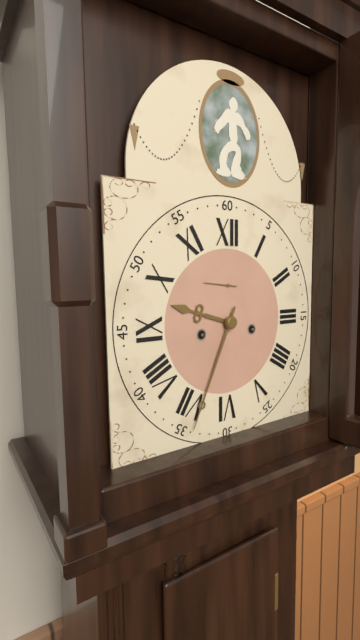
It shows 9.34
